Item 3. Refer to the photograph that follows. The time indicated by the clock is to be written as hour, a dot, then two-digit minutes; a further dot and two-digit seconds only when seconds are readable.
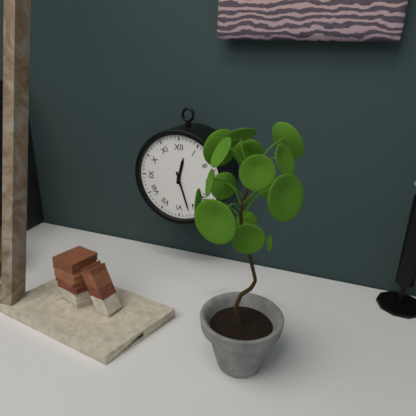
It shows 12.27
